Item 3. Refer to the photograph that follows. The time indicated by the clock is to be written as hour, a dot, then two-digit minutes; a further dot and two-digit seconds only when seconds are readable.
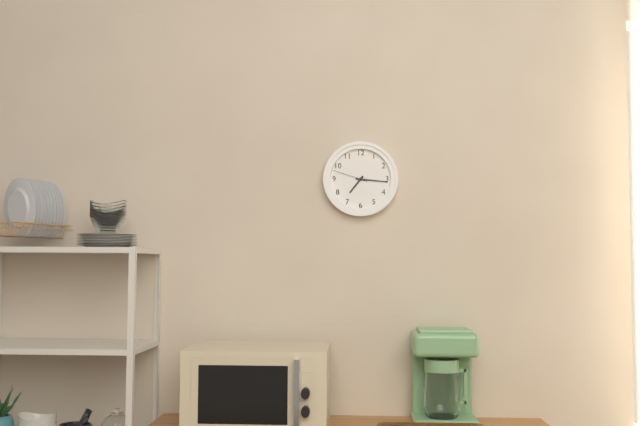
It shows 7.16
